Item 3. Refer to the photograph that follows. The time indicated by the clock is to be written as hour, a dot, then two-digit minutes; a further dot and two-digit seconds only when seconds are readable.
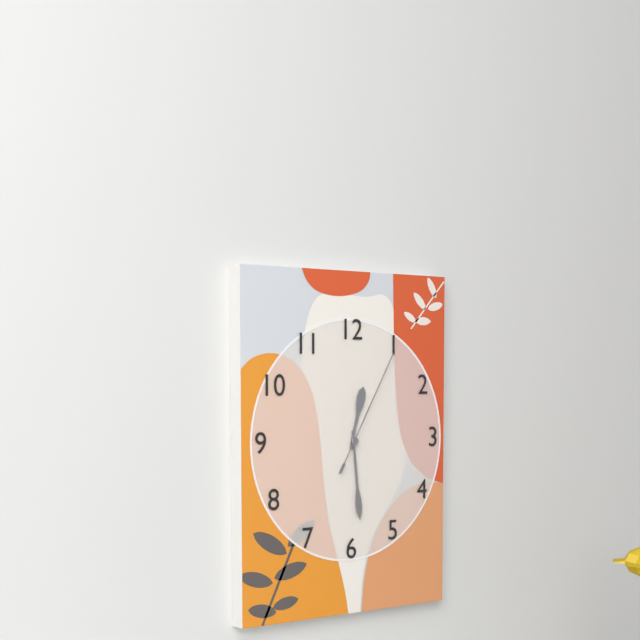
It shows 12.29.05
